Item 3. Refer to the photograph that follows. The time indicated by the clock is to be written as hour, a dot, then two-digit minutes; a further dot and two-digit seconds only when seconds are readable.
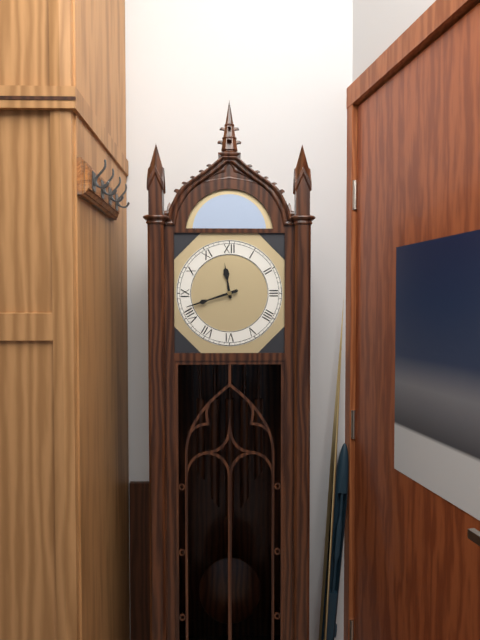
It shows 11.42
